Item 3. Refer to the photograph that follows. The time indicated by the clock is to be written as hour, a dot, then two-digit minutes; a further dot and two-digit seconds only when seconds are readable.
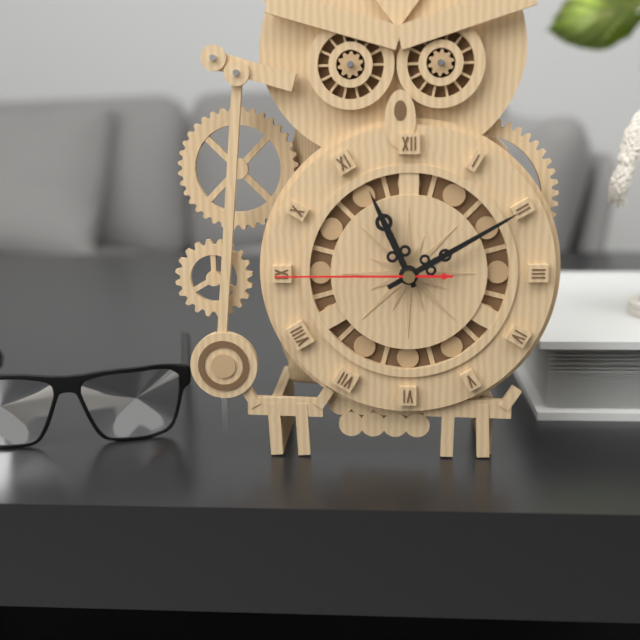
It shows 11.10.45
